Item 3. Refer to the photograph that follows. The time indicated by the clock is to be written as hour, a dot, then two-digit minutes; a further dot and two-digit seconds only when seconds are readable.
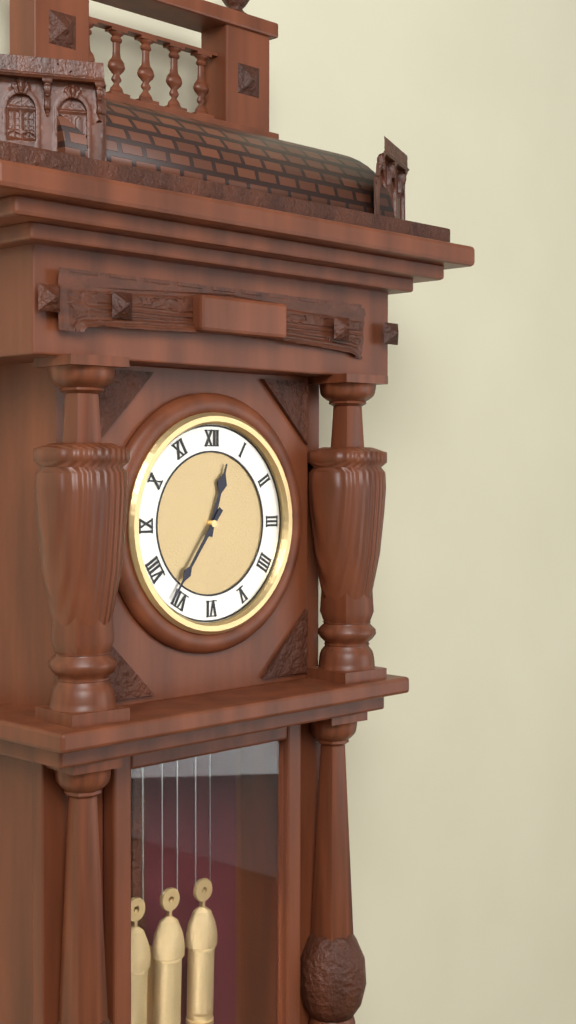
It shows 12.36
